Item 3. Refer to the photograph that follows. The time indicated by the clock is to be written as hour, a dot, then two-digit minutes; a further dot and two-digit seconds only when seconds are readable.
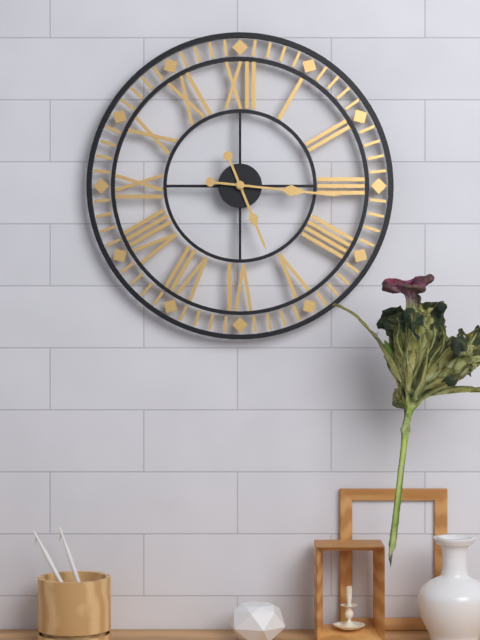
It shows 5.16
